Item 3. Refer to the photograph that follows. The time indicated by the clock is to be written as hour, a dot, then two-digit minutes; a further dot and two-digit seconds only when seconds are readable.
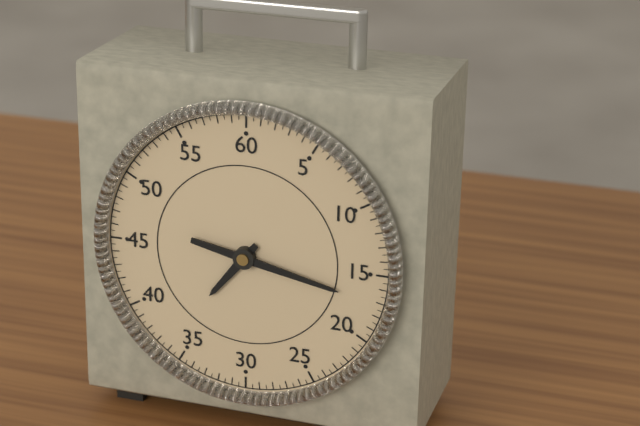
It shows 7.17
